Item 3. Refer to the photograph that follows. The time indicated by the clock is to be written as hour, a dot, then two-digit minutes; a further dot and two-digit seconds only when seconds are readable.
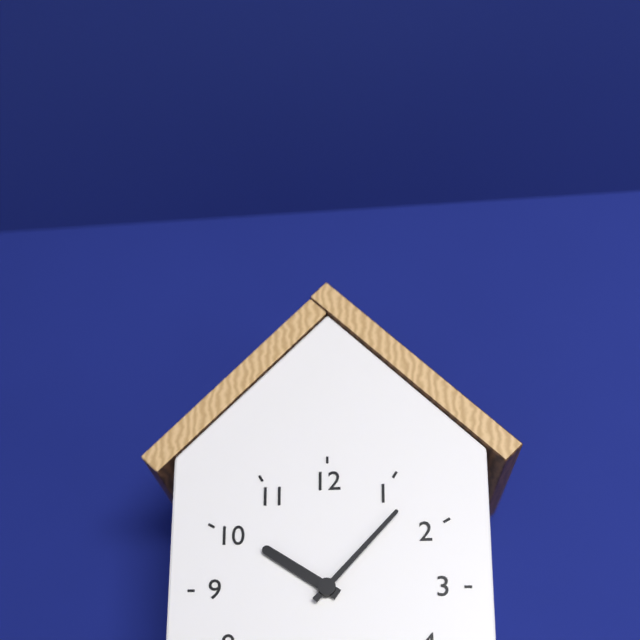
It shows 10.07
